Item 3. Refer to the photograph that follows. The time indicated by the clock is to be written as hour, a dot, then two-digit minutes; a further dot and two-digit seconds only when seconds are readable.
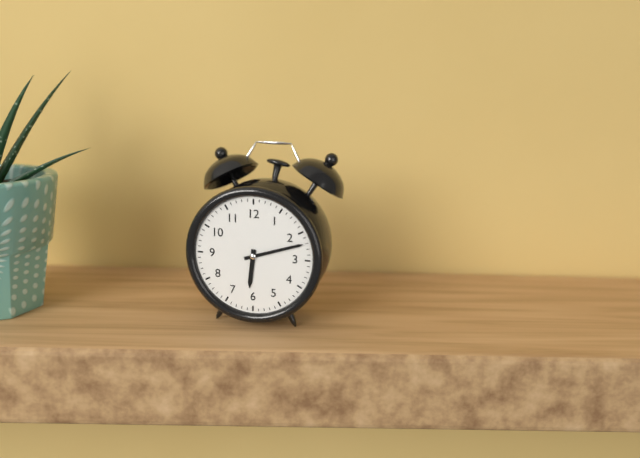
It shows 6.12
